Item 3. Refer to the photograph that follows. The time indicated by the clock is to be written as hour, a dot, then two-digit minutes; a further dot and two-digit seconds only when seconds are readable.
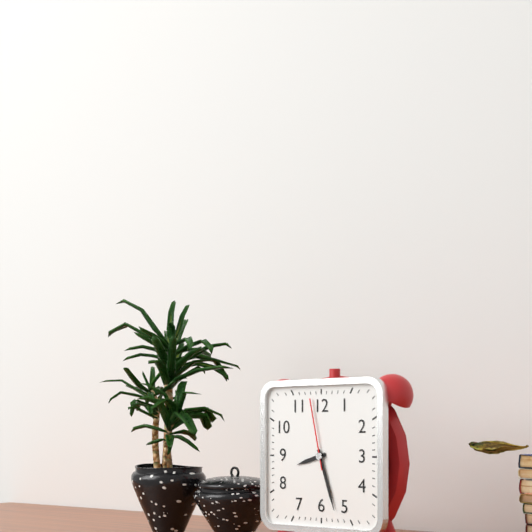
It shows 8.27.58
